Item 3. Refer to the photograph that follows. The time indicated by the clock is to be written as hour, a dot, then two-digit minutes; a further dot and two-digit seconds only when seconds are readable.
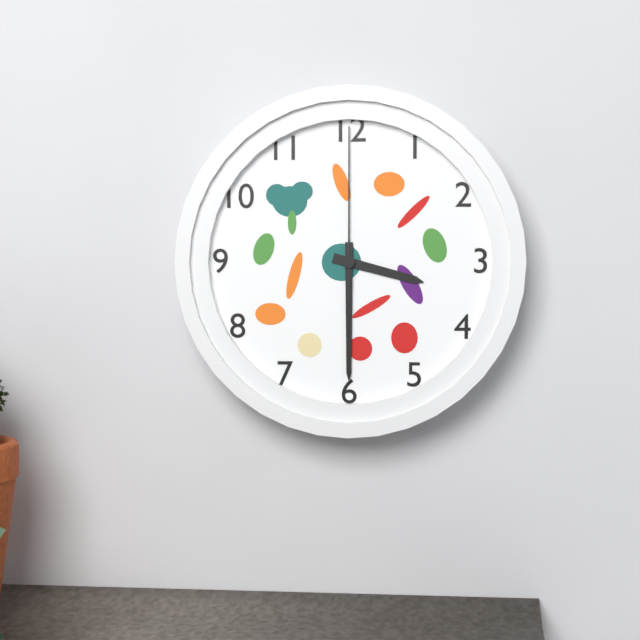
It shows 3.30.00
